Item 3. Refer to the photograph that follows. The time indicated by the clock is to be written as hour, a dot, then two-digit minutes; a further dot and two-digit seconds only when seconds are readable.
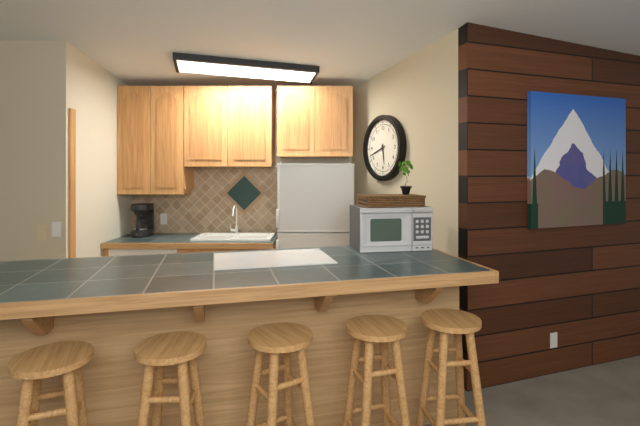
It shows 5.42
